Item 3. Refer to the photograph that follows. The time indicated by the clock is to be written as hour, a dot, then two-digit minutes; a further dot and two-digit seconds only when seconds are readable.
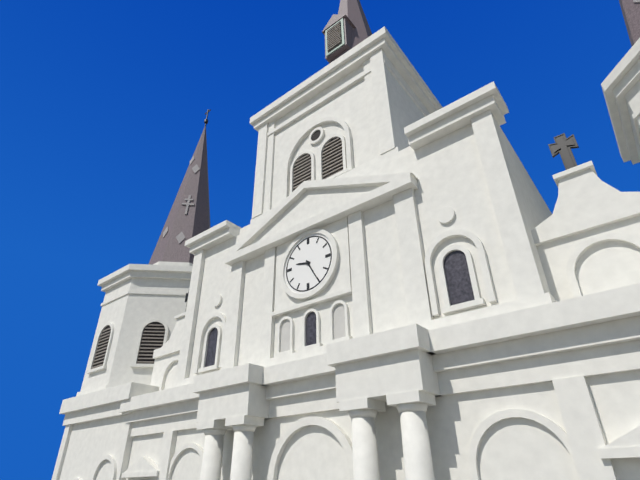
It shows 9.25
